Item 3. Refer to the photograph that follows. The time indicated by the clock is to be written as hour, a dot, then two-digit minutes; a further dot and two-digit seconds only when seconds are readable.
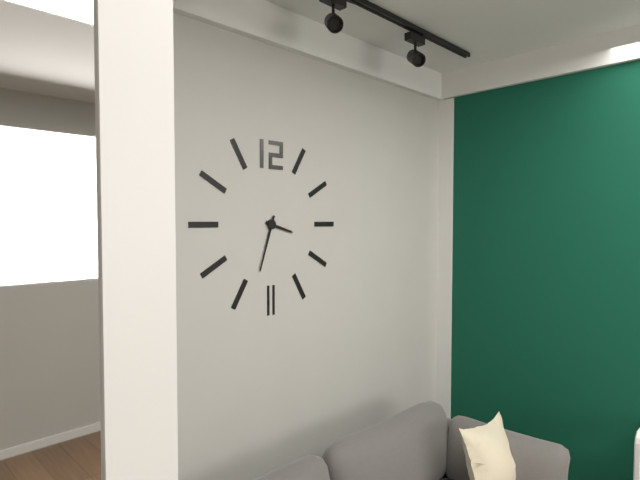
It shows 3.33
